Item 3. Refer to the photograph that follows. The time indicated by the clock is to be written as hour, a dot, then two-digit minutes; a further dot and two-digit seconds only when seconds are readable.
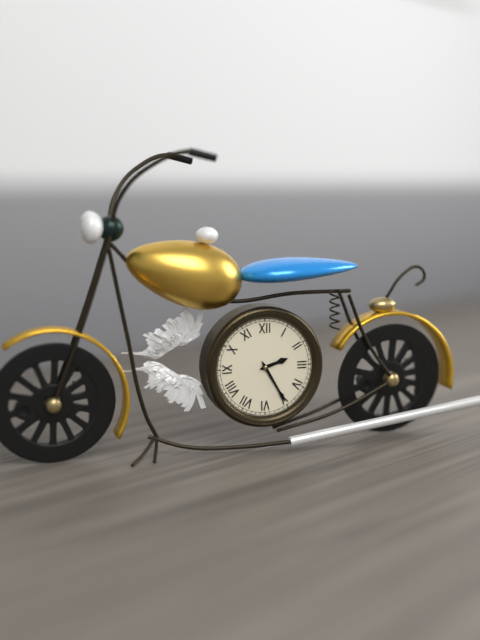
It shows 2.25
